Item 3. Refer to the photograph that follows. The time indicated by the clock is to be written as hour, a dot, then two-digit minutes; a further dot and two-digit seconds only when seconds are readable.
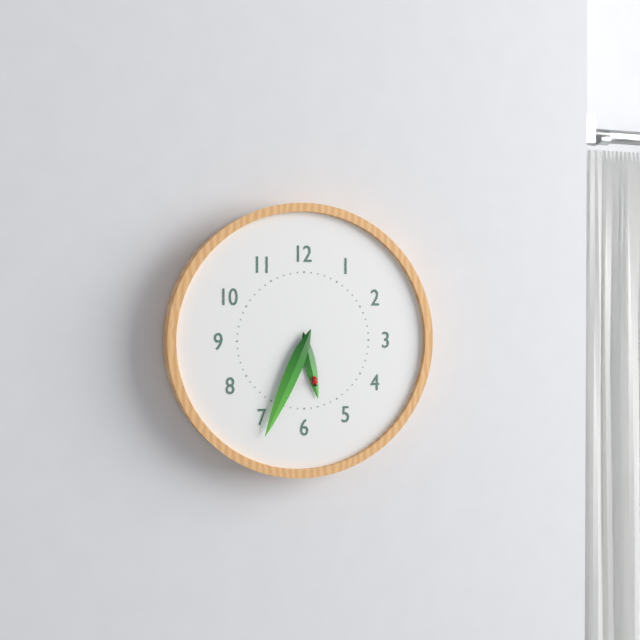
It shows 5.34
